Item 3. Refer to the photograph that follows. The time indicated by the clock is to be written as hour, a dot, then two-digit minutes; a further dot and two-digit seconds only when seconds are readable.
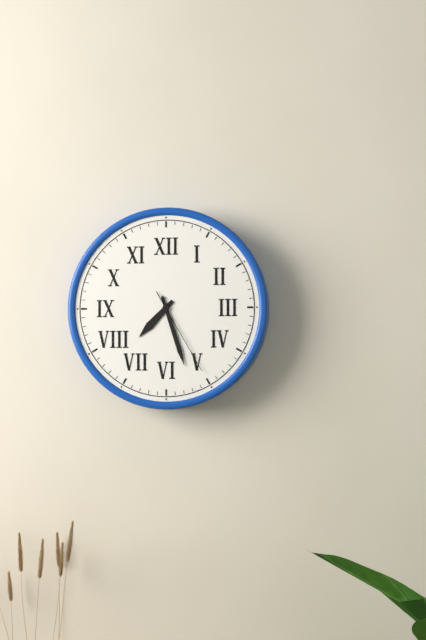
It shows 7.27.25
